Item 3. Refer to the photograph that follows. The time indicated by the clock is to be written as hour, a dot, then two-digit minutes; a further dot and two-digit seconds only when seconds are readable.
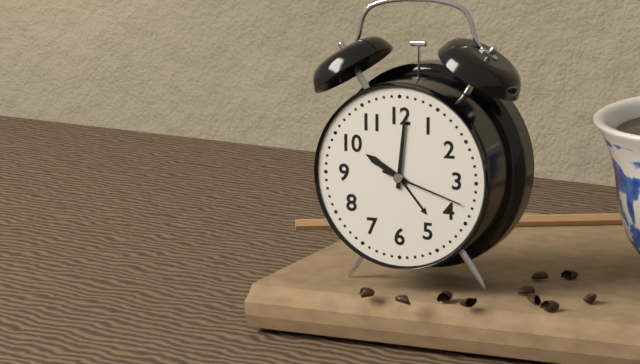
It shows 10.01.18
